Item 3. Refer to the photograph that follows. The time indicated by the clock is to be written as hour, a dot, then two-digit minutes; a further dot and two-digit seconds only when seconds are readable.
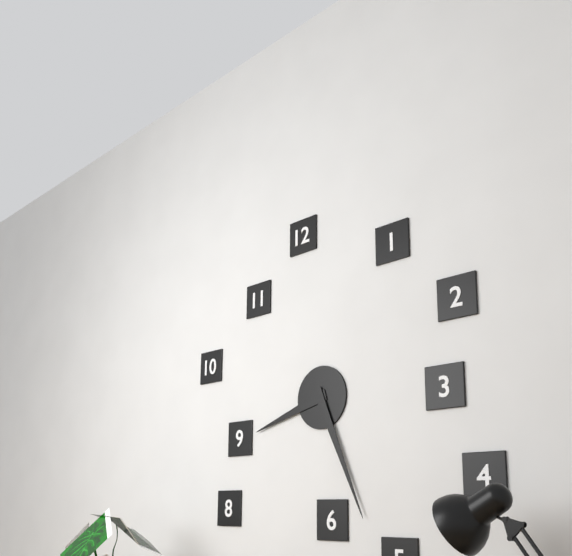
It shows 8.26
